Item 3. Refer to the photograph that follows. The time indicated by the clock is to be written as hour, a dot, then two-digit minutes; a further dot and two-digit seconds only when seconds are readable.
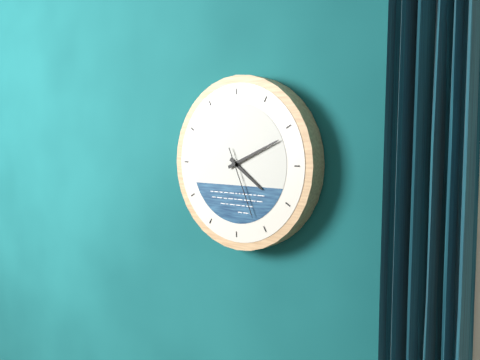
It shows 4.11.26
